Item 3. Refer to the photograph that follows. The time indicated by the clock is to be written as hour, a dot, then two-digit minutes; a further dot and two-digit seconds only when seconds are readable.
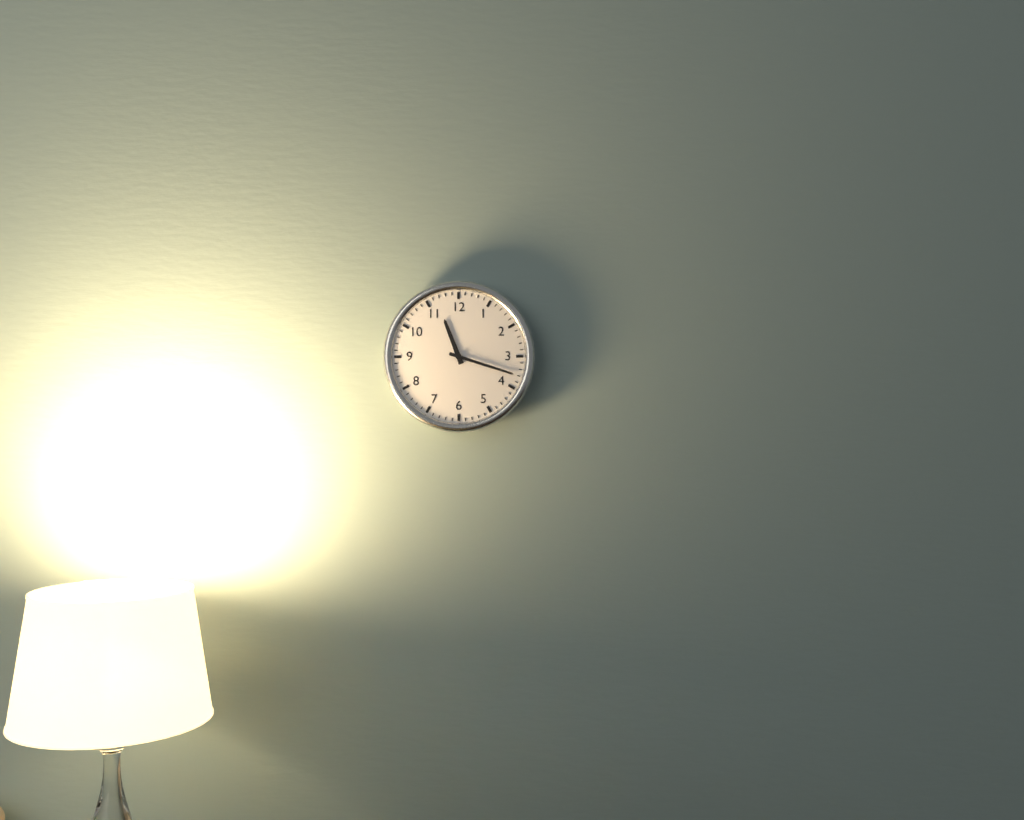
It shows 11.18
